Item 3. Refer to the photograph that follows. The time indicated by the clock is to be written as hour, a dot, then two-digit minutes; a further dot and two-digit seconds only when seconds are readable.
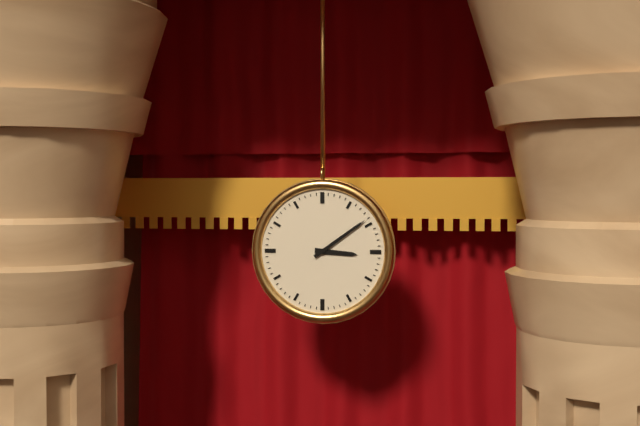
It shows 3.09
